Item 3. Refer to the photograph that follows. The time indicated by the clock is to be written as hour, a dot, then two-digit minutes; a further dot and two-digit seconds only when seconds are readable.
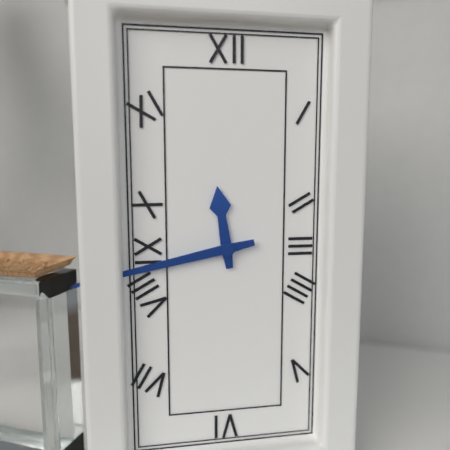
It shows 11.43
